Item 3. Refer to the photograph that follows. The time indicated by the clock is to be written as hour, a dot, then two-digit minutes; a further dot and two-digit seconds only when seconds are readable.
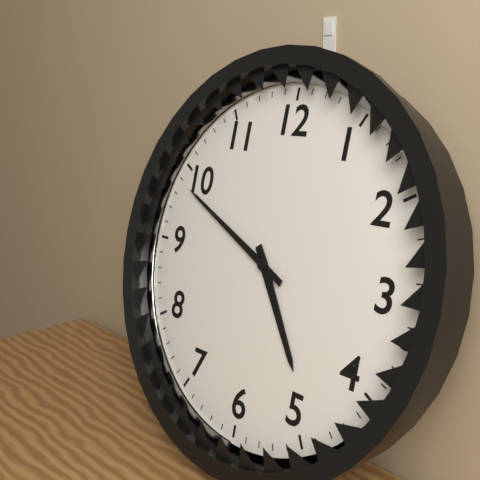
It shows 4.49
